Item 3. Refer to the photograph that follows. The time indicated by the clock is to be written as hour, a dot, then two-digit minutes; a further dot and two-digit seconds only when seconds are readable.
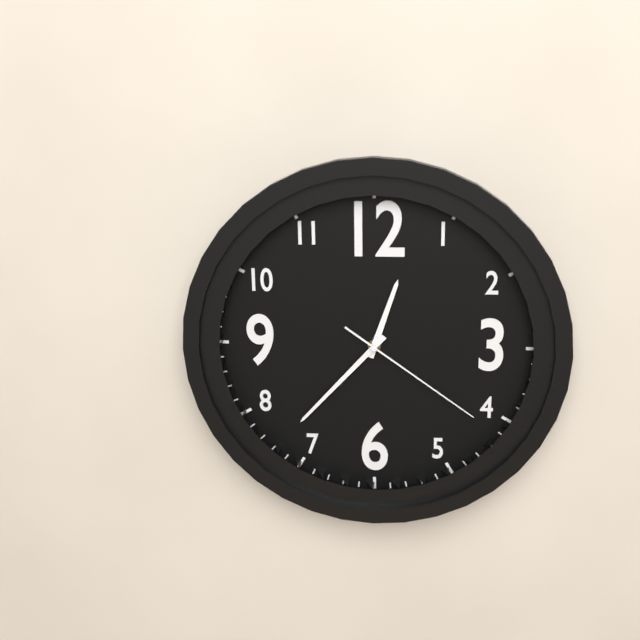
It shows 12.37.21
